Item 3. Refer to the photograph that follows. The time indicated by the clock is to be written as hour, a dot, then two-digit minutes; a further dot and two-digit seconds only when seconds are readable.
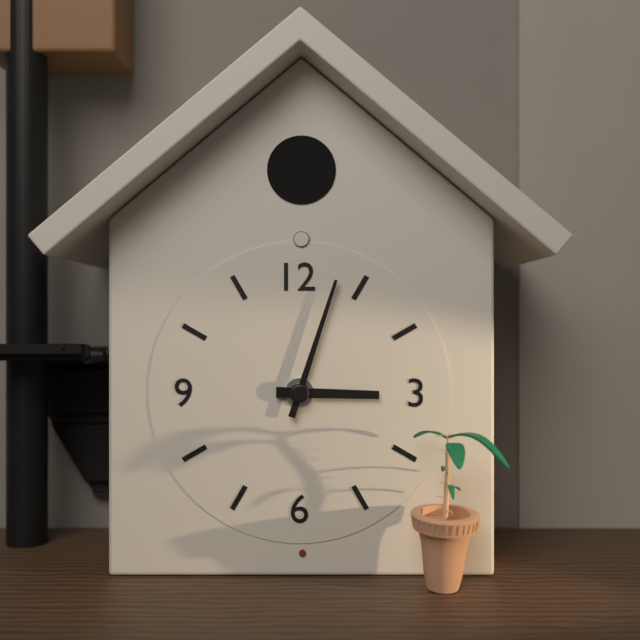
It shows 3.03
